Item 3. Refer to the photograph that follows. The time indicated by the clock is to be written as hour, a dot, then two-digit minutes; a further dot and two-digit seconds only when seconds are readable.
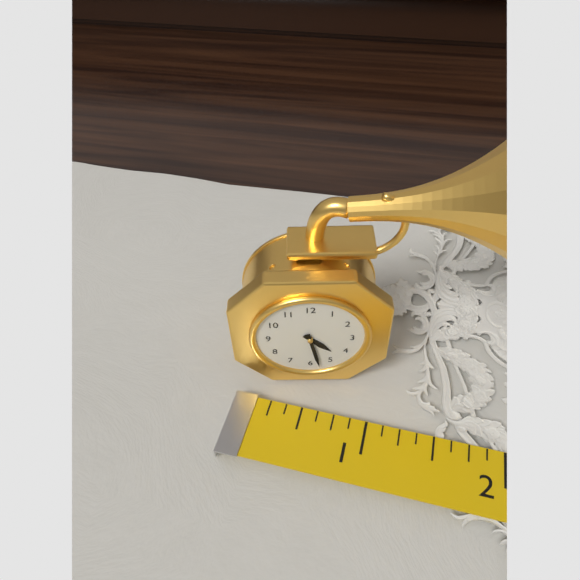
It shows 4.28
